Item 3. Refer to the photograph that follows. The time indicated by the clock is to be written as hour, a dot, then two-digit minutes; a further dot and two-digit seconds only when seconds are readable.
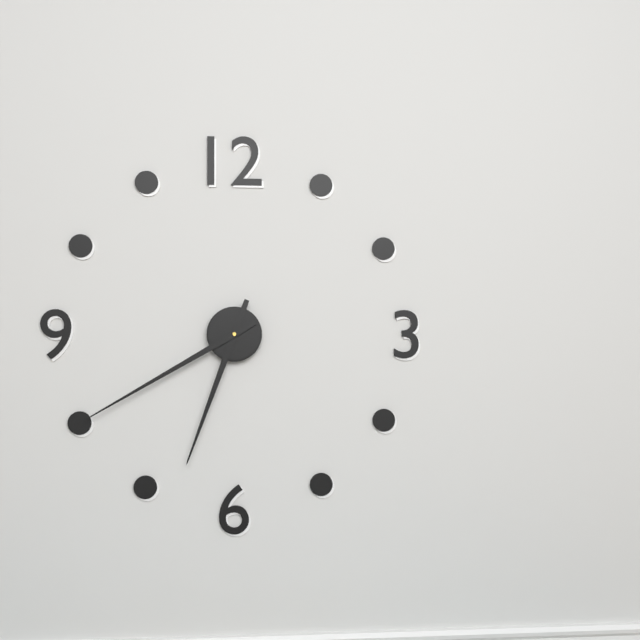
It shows 6.40
